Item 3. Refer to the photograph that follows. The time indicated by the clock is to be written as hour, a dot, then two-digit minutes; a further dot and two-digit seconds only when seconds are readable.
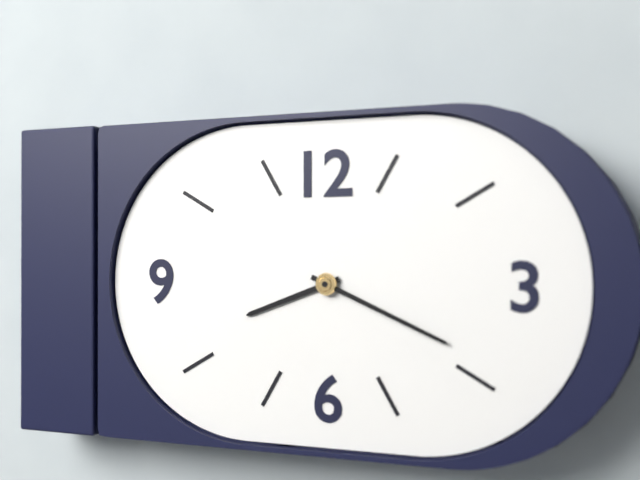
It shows 8.19
